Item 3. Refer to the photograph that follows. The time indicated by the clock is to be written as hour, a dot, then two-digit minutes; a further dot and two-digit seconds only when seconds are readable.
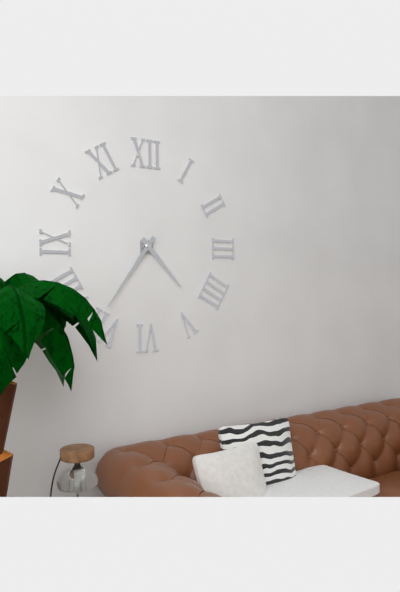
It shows 4.36
